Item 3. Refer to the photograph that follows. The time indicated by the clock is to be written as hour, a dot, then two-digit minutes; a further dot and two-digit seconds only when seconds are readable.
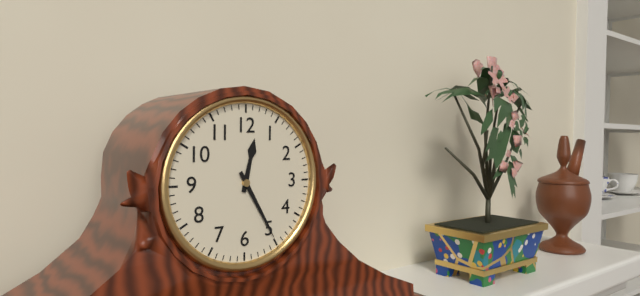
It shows 12.25
